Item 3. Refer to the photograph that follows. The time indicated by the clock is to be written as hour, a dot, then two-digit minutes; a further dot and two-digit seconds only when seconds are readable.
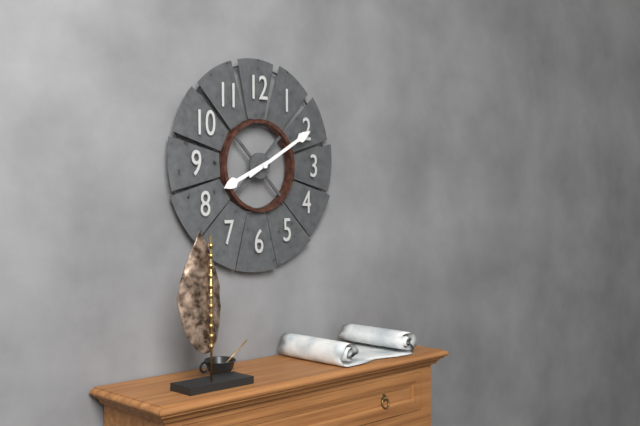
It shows 8.10
